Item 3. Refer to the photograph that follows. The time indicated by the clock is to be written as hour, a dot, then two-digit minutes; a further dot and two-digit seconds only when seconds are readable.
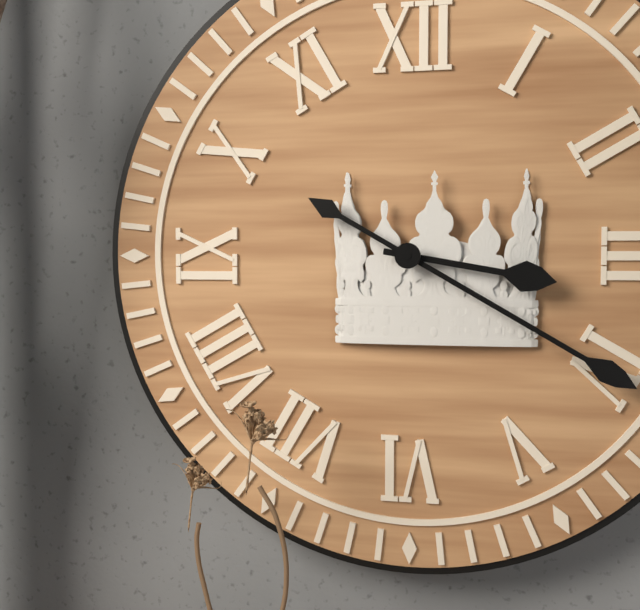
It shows 3.20
